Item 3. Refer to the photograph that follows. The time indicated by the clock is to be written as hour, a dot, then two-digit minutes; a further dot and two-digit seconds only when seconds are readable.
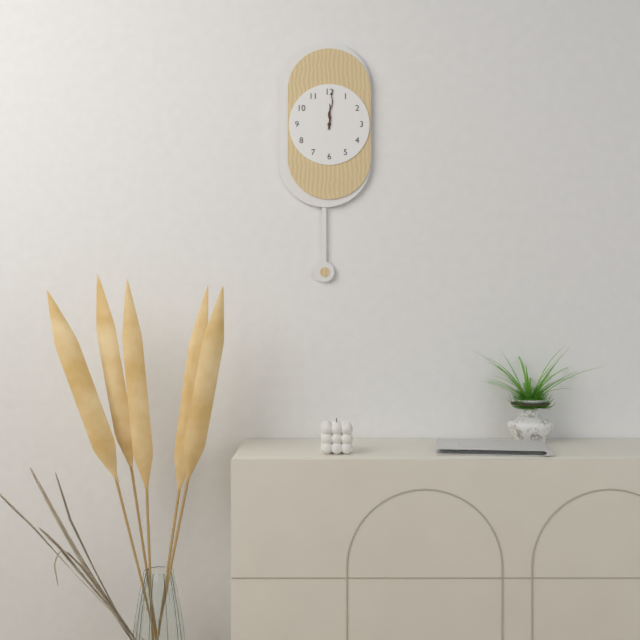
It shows 12.01
